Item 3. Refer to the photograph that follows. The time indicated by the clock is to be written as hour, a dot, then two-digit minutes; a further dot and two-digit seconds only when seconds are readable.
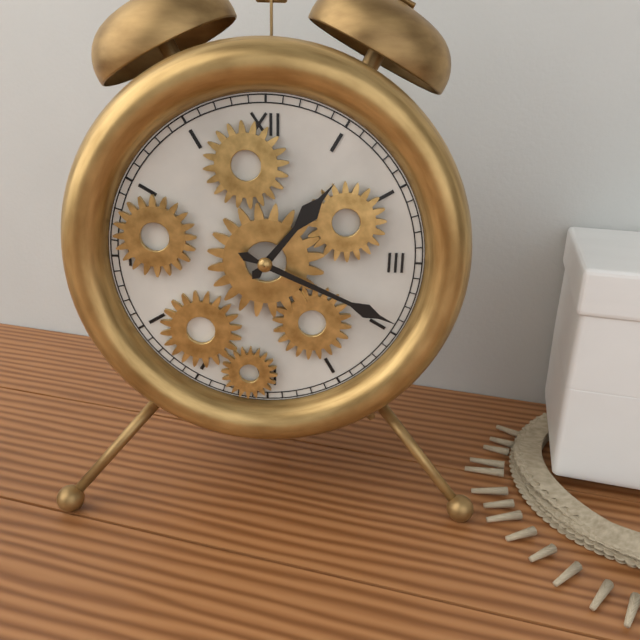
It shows 1.19
